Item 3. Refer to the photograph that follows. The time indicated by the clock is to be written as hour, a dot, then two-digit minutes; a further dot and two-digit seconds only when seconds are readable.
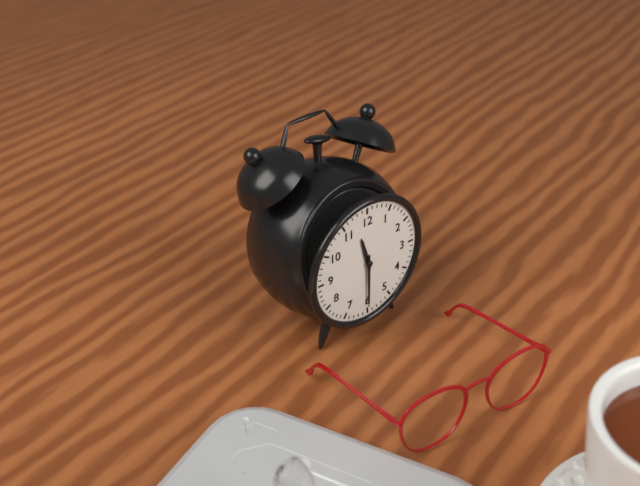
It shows 11.30
